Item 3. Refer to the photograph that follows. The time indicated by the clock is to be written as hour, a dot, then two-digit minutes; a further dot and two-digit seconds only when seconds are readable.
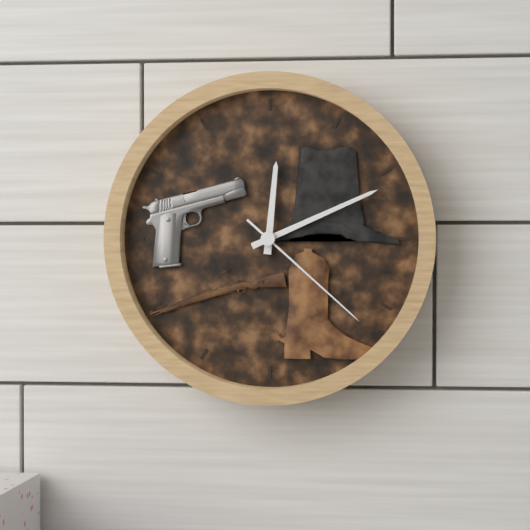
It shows 12.11.22
